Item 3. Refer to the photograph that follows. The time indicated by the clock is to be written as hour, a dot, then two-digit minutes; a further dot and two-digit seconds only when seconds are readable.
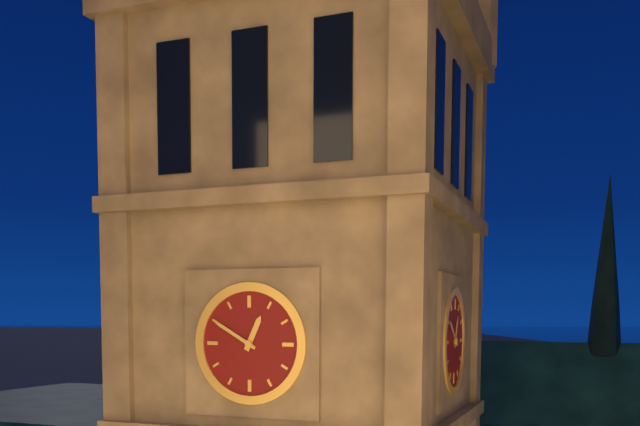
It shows 12.50
